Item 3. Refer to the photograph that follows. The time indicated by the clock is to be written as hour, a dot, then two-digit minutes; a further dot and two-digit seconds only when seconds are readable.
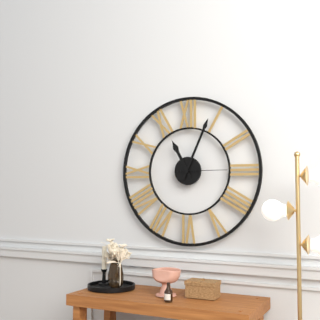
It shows 11.04.15
